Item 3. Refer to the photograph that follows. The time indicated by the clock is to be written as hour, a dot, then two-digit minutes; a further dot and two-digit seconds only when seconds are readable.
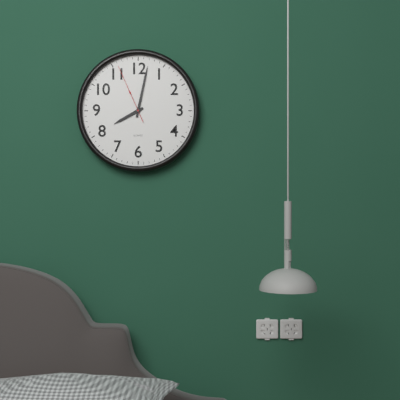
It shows 8.02.56
